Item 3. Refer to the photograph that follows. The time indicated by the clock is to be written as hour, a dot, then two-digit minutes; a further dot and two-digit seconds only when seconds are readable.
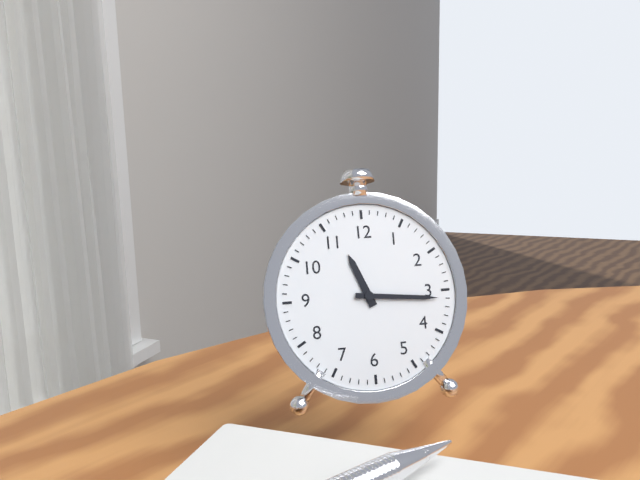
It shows 11.16
